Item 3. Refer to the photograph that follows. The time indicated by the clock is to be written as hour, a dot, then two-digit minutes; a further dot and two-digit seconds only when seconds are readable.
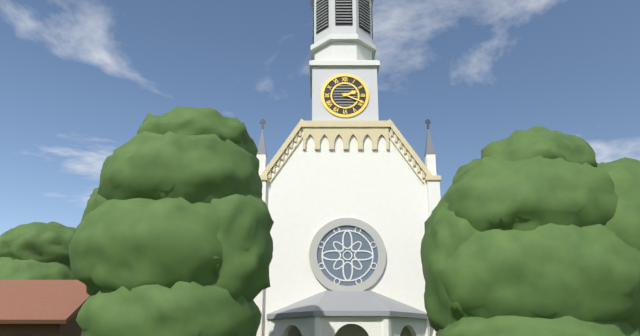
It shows 2.19
